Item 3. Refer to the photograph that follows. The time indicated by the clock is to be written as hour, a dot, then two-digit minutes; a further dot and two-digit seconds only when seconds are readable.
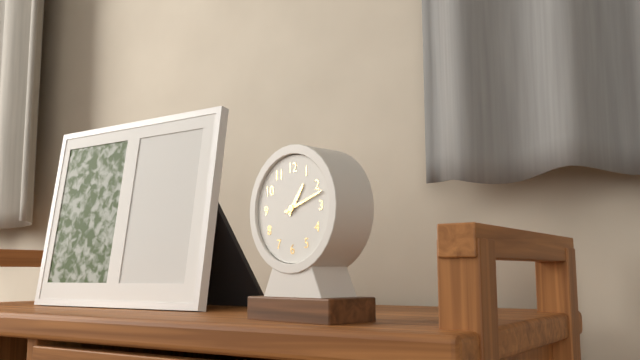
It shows 1.12
